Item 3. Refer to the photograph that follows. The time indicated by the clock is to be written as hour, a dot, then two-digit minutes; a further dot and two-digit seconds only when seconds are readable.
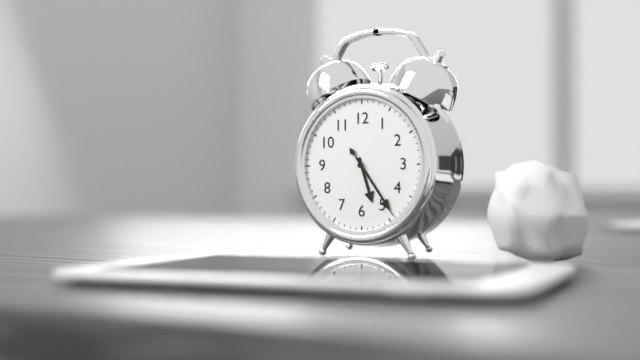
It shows 5.24.24
